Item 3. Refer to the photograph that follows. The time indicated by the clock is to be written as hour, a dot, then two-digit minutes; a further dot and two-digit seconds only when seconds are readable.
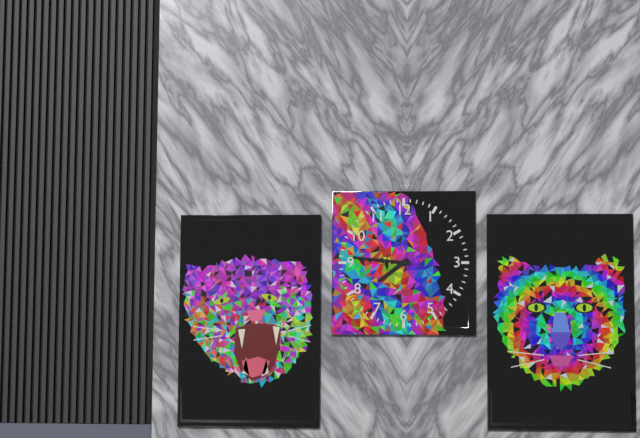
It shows 7.46
